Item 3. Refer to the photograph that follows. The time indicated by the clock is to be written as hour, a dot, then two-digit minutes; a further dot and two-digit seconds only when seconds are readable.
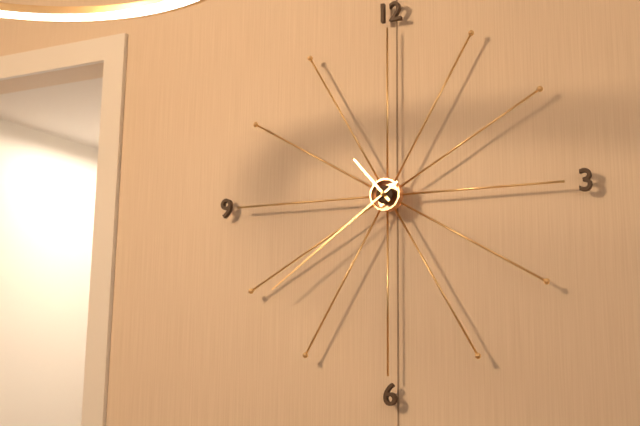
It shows 10.39
